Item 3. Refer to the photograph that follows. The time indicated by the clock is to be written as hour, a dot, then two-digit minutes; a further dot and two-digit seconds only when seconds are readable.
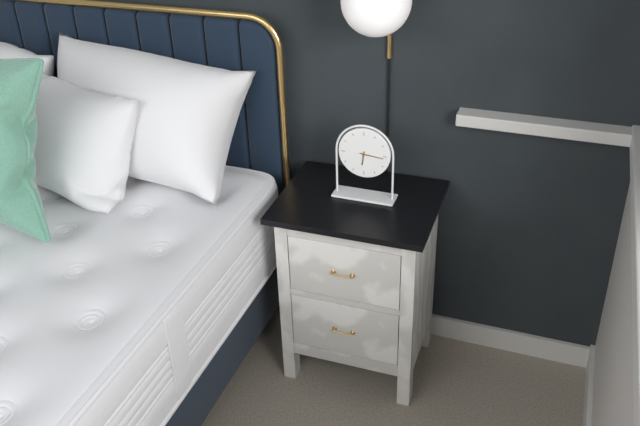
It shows 6.16
